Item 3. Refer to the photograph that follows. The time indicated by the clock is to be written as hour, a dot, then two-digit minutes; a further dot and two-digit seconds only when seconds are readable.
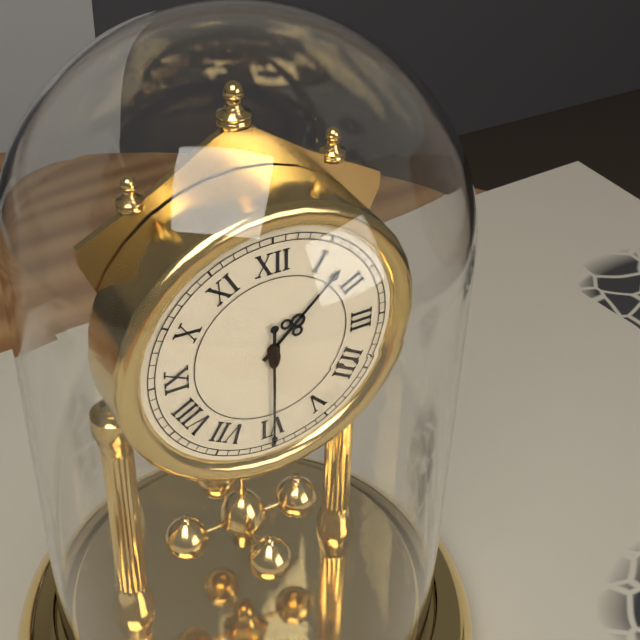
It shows 1.30
